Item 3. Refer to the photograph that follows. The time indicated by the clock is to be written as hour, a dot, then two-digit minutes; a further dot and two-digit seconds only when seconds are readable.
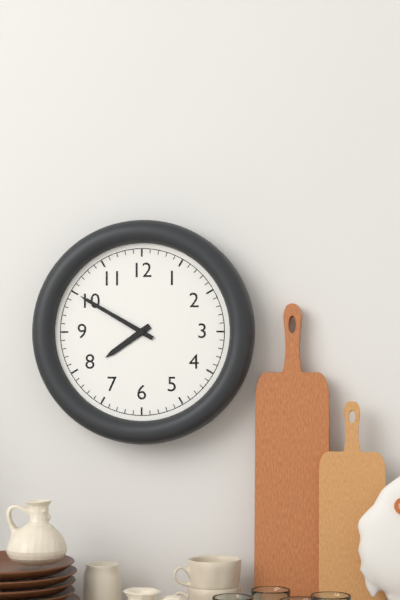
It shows 7.50
